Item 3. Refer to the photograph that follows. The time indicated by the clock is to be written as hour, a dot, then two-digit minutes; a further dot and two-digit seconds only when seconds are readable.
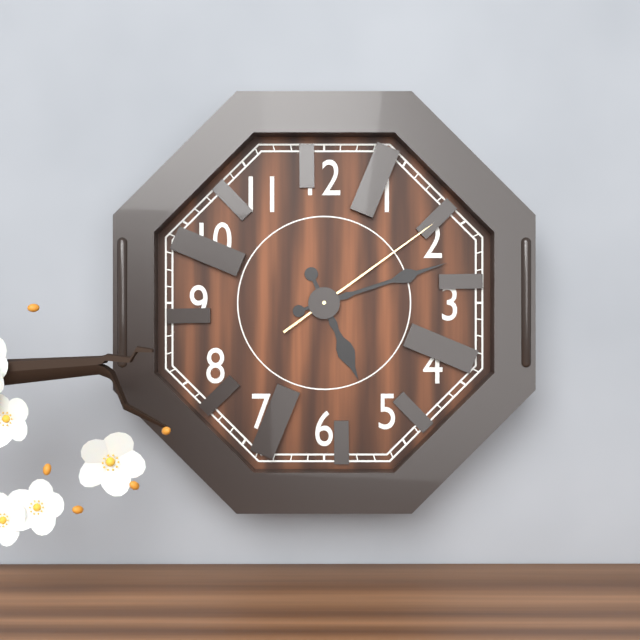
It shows 5.12.09
